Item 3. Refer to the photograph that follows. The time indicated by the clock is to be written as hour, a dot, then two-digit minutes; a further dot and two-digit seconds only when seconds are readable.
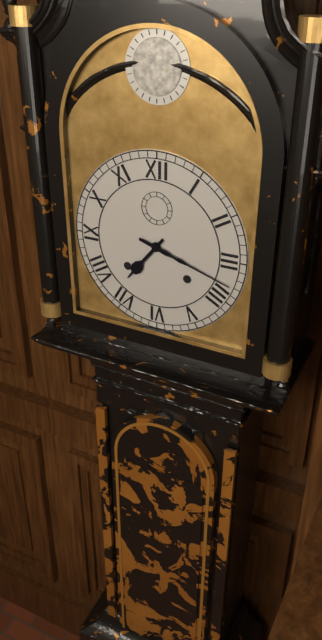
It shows 7.18
